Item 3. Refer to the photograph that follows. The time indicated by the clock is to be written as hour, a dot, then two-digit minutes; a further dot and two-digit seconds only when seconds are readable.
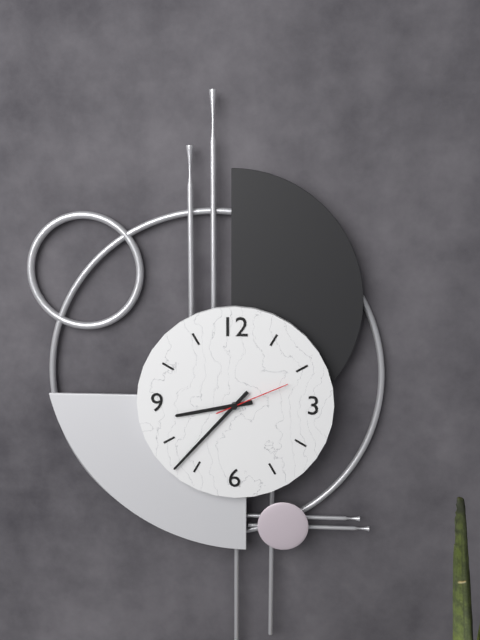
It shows 8.37.11
